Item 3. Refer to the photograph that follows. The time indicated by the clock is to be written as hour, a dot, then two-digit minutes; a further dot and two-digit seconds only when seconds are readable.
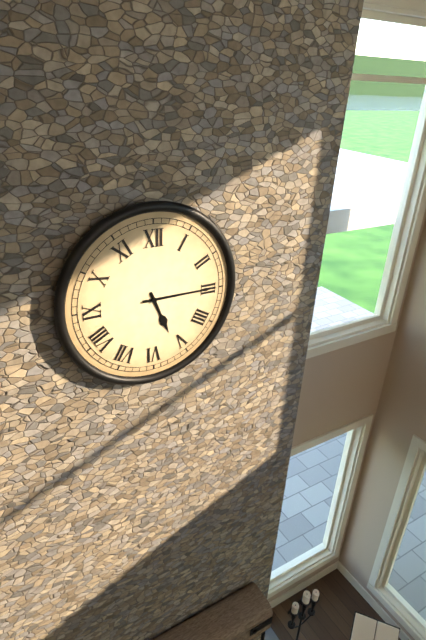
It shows 5.15
